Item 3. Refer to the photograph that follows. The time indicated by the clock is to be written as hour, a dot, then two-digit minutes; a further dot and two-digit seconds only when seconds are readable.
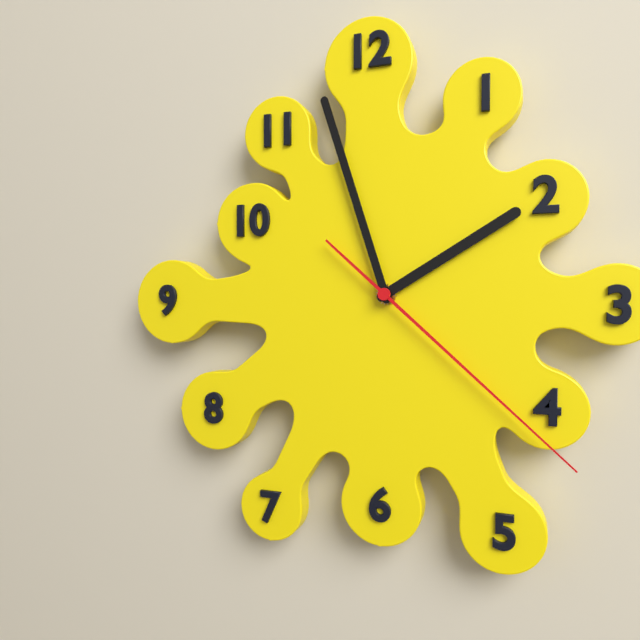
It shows 1.57.22
